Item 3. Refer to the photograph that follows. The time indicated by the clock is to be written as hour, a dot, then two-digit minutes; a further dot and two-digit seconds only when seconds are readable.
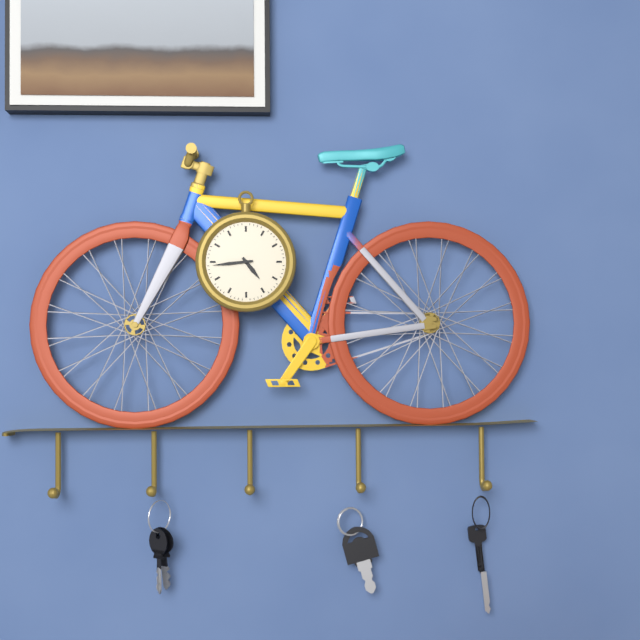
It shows 4.44
